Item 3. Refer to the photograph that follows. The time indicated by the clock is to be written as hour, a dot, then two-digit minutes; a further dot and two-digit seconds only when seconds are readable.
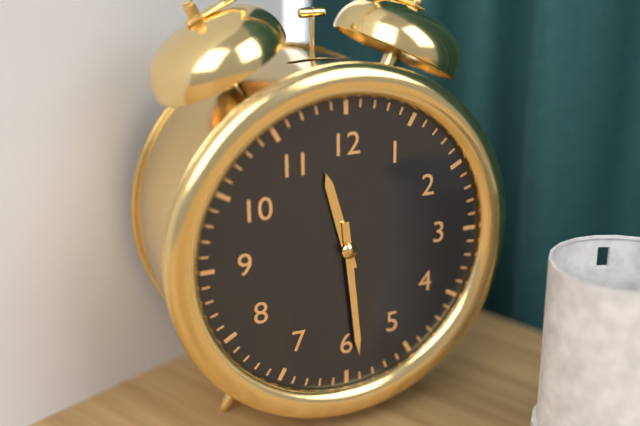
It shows 11.29
